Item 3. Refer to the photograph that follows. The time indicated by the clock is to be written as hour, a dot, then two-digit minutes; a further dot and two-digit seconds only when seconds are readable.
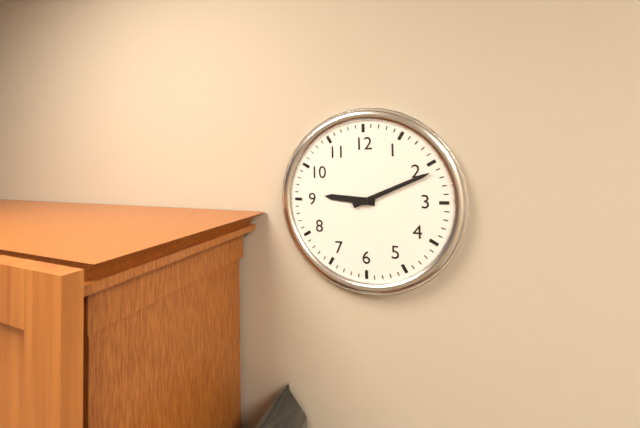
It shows 9.11
